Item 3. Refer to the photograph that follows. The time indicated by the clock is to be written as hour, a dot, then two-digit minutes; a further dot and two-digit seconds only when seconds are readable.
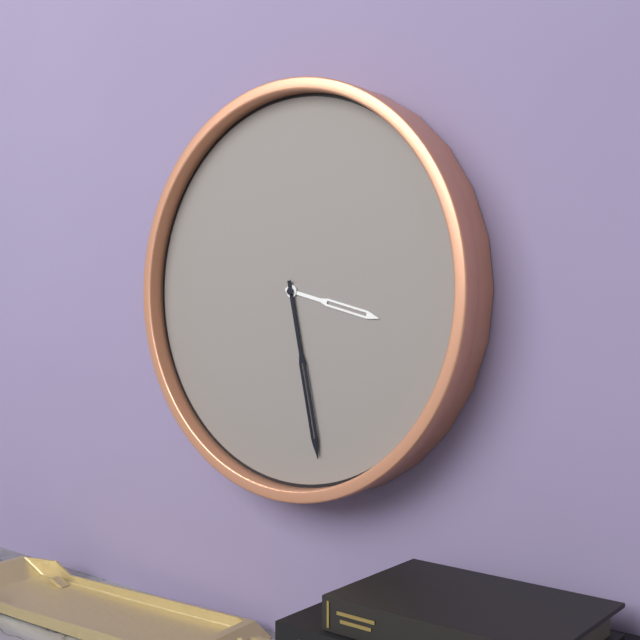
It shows 3.28
